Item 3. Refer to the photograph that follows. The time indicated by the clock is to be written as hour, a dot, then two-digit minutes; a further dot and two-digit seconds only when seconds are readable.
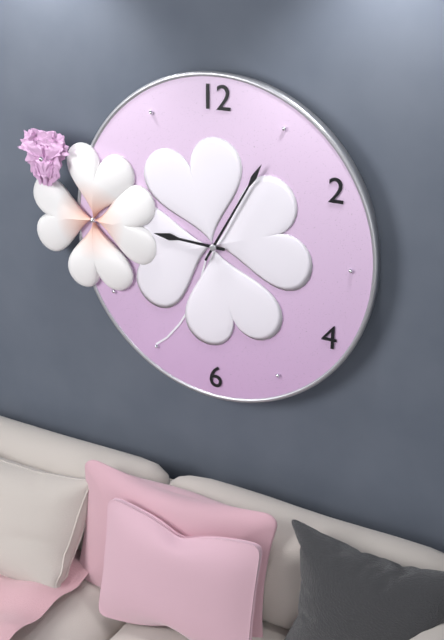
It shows 9.05
